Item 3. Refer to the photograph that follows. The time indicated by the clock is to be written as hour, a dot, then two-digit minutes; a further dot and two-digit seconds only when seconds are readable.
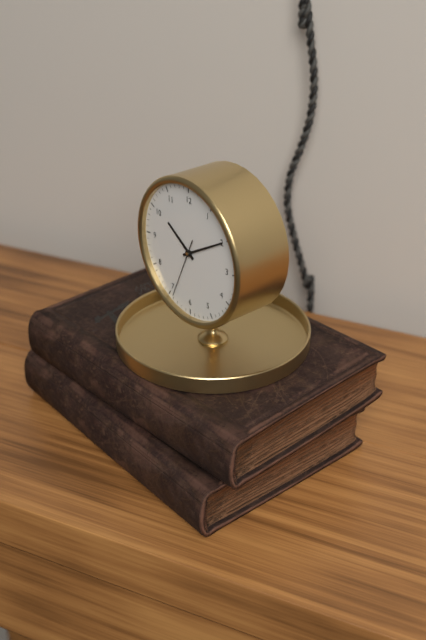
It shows 10.10.34
